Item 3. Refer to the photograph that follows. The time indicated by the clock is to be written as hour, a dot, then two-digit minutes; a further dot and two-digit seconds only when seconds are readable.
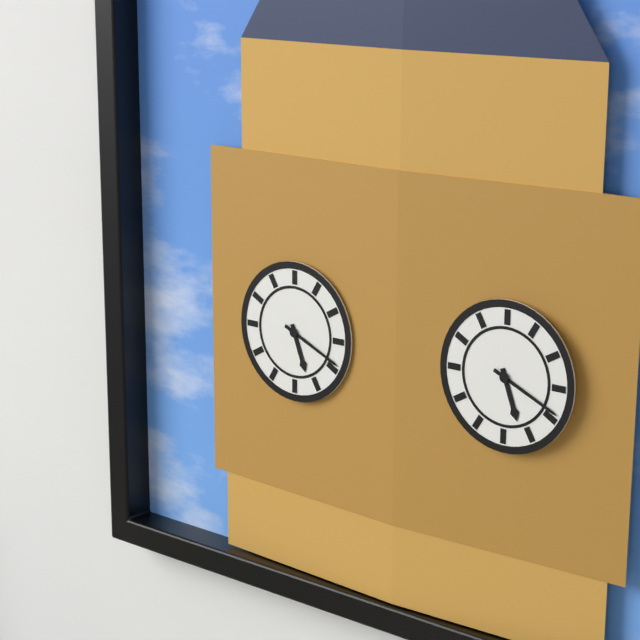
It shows 5.19
